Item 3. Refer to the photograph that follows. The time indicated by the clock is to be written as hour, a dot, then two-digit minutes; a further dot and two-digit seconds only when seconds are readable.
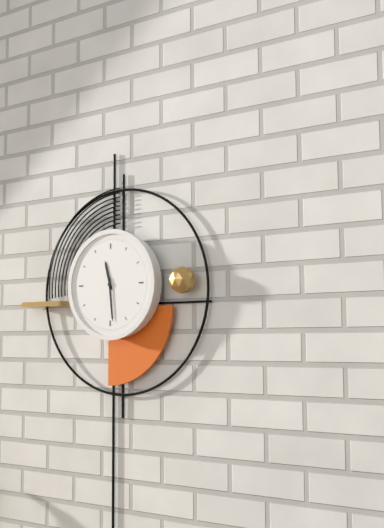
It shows 11.29
